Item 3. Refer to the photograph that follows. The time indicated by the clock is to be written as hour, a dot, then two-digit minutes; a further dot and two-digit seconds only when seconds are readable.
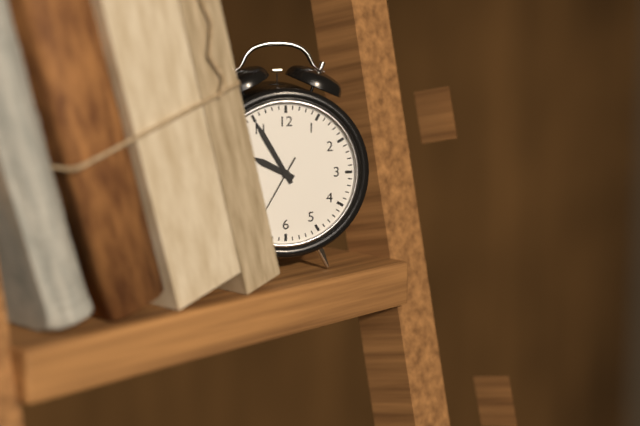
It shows 9.55
